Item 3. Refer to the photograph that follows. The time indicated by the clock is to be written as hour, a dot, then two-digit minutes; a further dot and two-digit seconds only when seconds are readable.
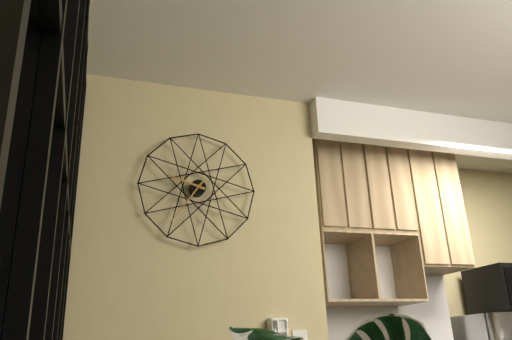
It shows 9.36
